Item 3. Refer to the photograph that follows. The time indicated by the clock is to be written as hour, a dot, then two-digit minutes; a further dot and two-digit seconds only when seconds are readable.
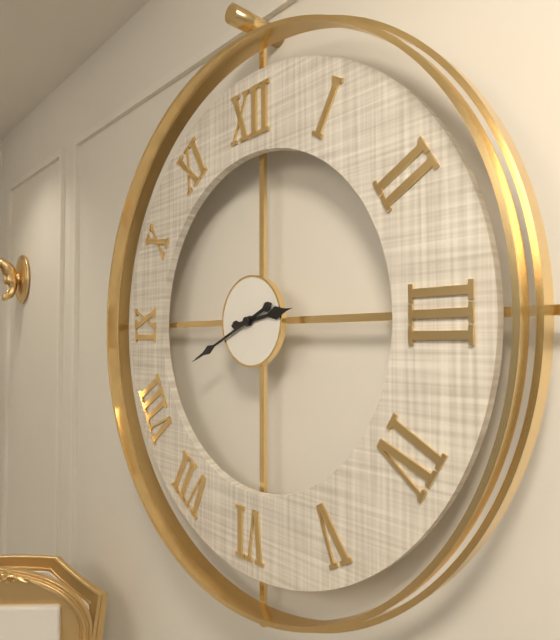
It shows 2.41
